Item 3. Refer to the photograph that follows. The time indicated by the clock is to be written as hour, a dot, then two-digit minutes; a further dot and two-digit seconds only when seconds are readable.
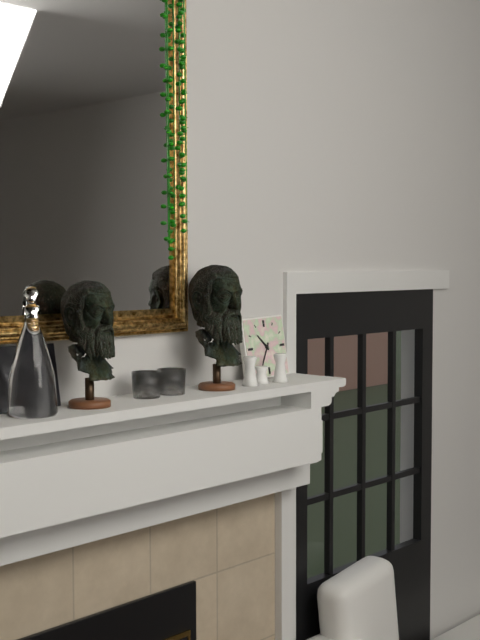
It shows 10.35
